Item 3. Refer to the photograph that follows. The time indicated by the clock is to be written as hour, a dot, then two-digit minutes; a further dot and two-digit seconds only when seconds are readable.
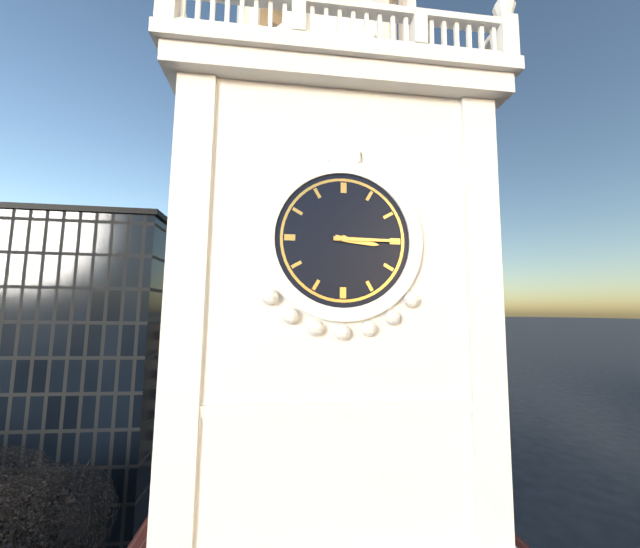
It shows 3.15
